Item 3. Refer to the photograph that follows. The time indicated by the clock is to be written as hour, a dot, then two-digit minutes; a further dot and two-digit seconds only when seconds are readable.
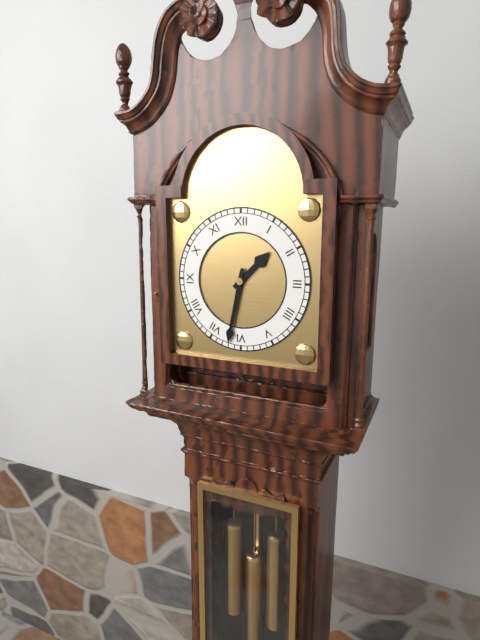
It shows 1.32
